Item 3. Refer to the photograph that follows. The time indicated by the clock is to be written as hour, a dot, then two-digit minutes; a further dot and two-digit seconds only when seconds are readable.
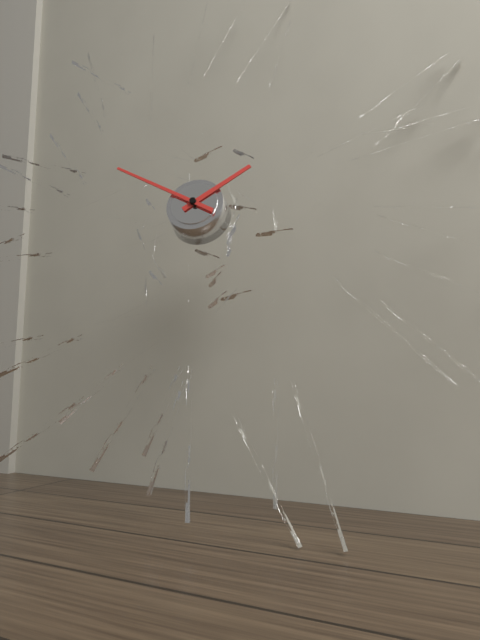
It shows 1.50
